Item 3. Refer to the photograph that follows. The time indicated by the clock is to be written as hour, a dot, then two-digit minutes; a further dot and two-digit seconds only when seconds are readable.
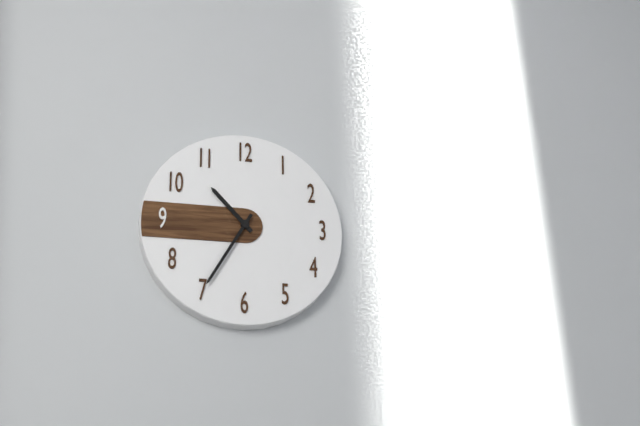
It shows 10.35
